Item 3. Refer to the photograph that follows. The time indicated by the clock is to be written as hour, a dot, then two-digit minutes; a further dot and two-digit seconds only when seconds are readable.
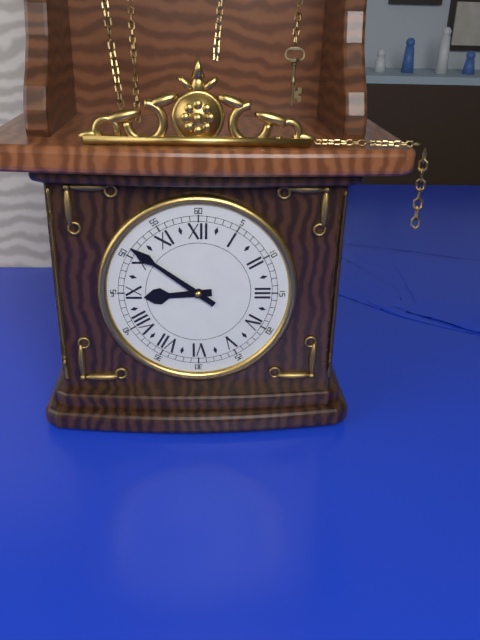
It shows 8.51
